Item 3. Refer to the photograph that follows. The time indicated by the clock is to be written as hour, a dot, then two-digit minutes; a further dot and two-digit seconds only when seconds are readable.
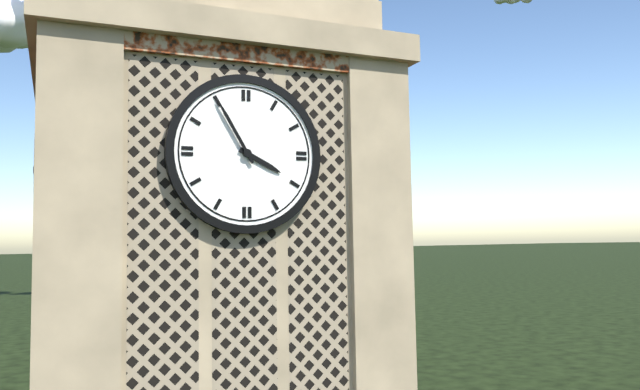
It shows 3.55
